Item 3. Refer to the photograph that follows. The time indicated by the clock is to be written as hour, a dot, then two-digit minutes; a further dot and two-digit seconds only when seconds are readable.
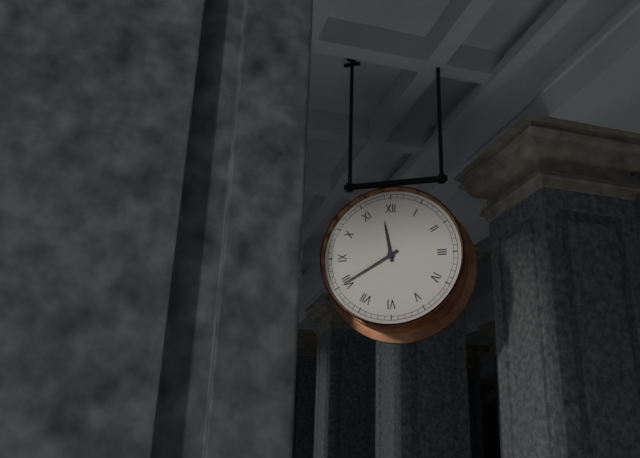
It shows 11.40
